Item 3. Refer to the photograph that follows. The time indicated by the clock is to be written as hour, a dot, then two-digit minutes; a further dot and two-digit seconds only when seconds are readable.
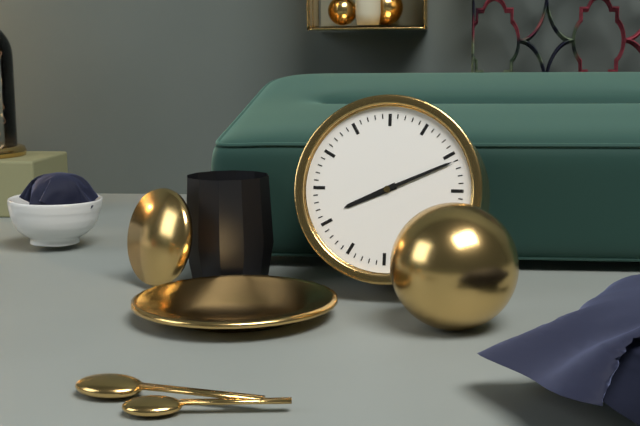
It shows 8.11
